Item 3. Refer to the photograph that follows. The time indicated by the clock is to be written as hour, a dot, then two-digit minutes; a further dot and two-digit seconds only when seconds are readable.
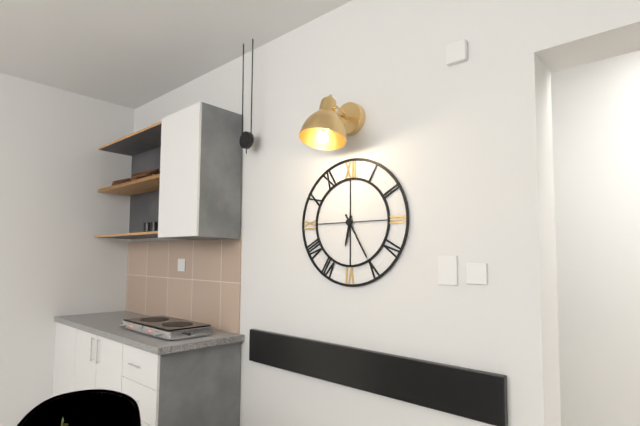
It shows 6.25
